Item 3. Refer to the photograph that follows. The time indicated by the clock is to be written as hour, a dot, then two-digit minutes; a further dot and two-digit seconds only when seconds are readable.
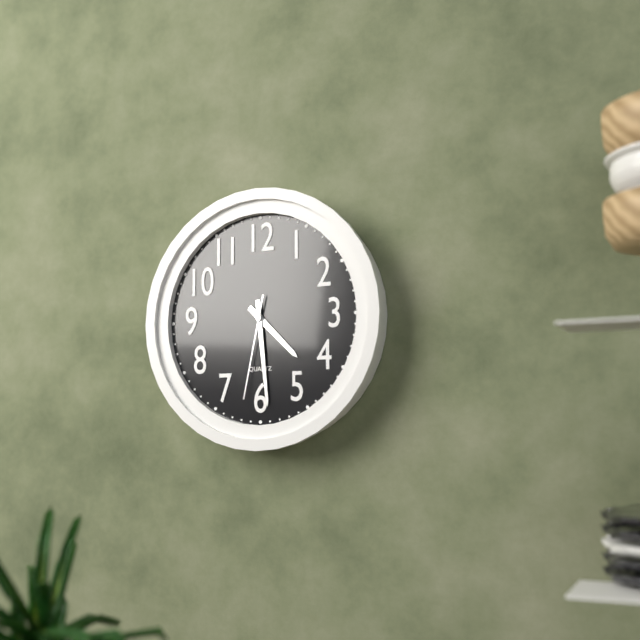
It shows 4.29.32
